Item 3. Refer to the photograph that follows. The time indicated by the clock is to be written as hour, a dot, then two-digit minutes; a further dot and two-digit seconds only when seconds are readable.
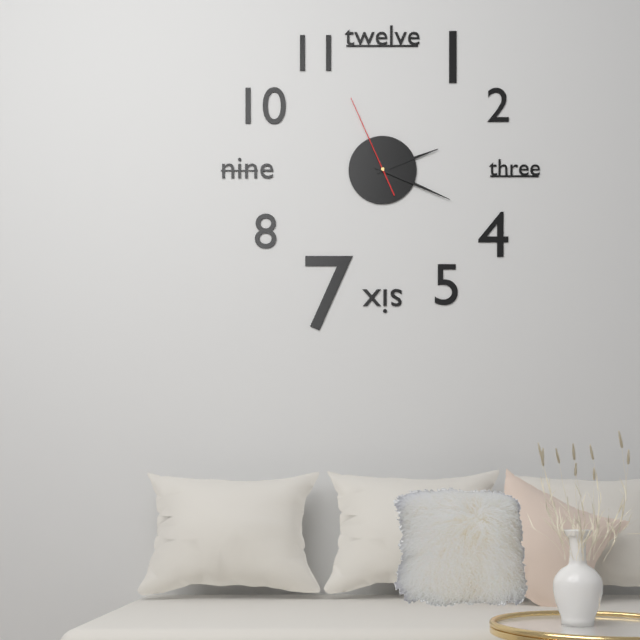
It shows 2.19.56
